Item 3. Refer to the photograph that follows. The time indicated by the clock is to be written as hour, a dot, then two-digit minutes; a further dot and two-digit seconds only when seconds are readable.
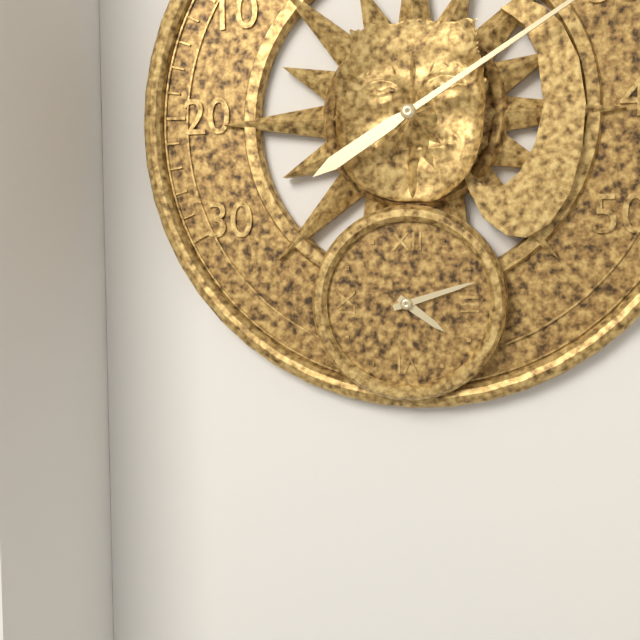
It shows 4.12
